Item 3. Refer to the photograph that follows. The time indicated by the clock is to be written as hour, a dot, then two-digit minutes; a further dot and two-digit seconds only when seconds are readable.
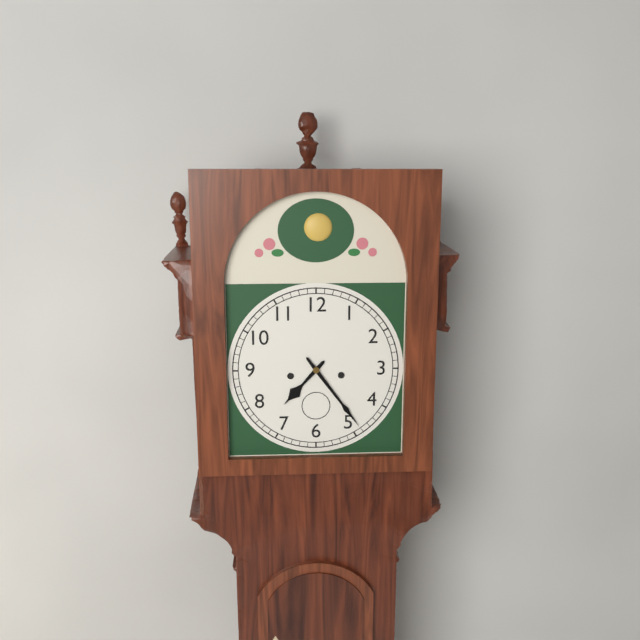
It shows 7.24
